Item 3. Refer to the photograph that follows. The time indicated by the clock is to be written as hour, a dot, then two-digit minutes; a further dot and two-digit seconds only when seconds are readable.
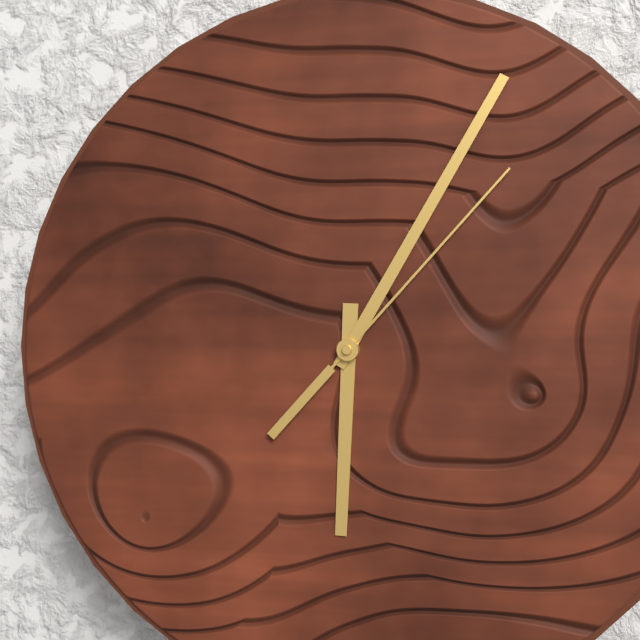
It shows 6.05.07
